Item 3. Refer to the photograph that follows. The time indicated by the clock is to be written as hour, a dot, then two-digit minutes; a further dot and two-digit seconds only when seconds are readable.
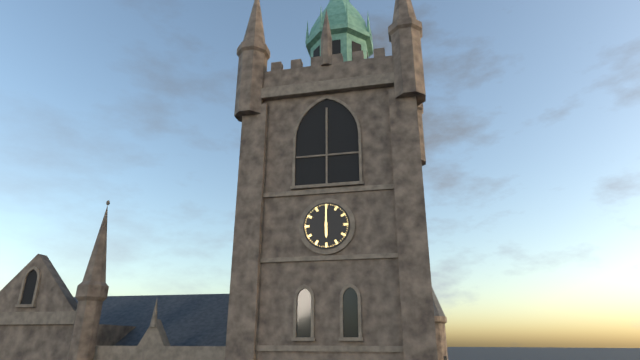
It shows 6.00
